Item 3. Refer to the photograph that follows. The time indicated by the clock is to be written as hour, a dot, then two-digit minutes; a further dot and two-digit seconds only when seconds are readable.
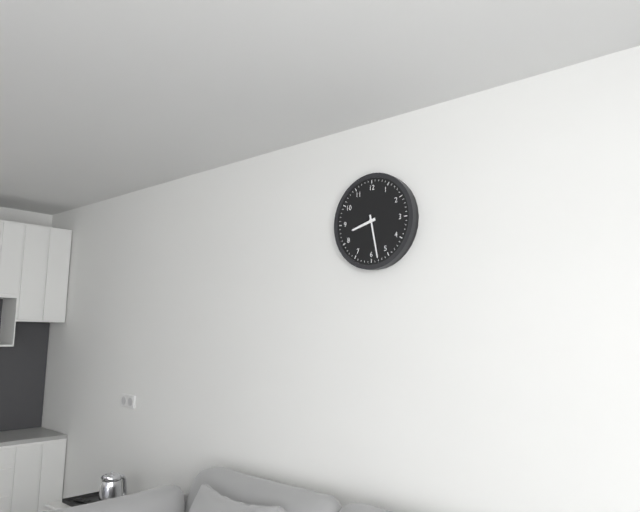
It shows 8.28
